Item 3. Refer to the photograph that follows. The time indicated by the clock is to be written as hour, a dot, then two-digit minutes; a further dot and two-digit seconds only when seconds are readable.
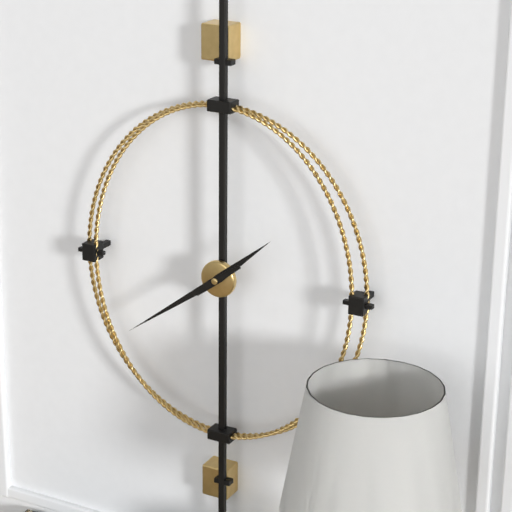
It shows 1.39
